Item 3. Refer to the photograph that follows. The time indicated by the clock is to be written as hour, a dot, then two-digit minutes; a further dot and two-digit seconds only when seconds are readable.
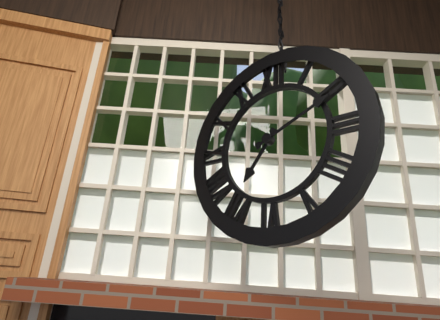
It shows 7.11
